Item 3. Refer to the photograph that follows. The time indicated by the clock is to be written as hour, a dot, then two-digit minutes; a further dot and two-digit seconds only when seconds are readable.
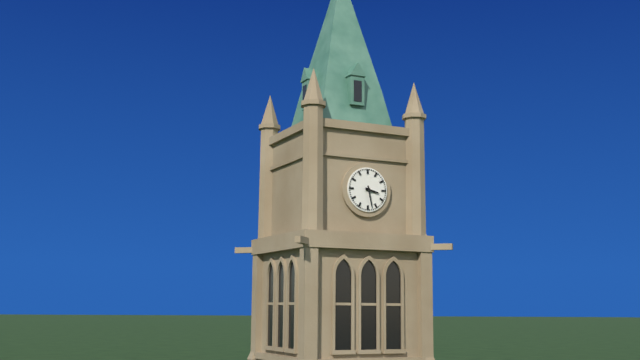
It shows 3.28
